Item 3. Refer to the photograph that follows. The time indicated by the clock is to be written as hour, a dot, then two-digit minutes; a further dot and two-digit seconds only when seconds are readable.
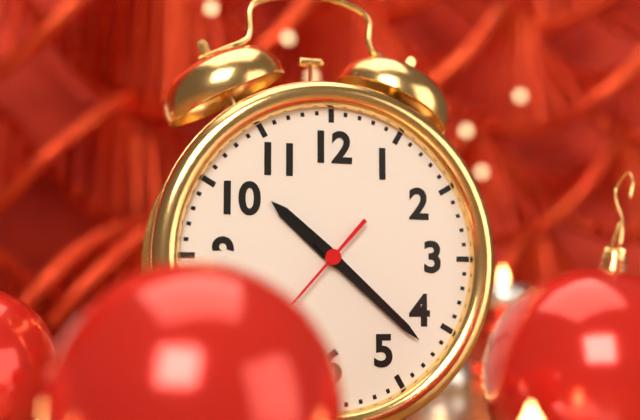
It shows 10.22
